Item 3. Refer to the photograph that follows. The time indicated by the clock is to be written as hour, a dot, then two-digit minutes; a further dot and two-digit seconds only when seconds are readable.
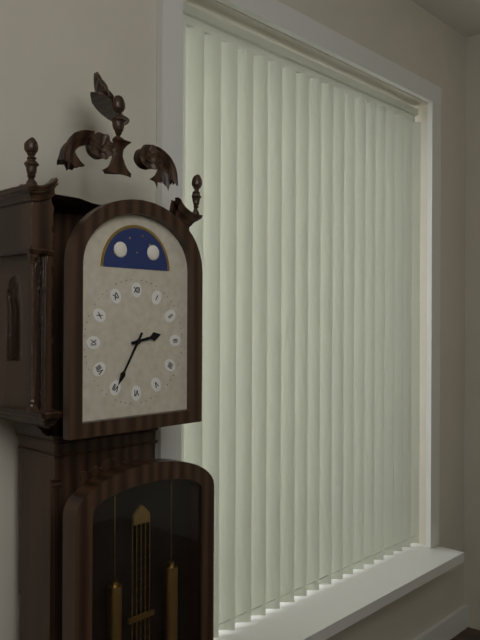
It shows 2.35
